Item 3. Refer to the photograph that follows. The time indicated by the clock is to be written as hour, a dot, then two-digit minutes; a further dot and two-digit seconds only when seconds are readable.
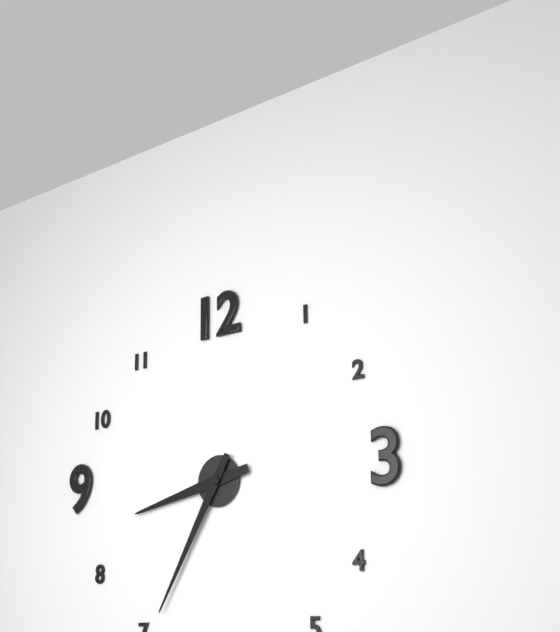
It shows 8.35
